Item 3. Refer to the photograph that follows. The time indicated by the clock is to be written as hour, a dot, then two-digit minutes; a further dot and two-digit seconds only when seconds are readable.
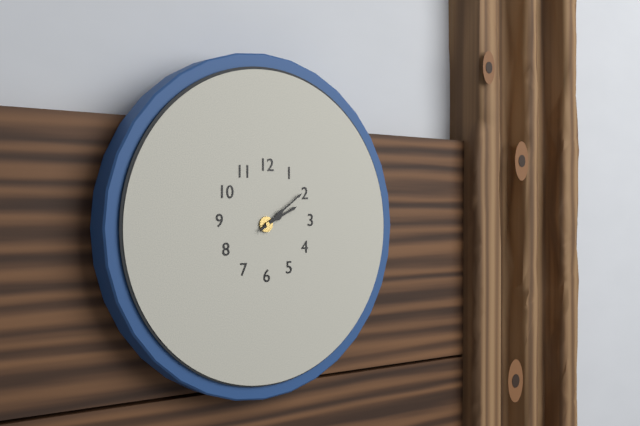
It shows 2.09
